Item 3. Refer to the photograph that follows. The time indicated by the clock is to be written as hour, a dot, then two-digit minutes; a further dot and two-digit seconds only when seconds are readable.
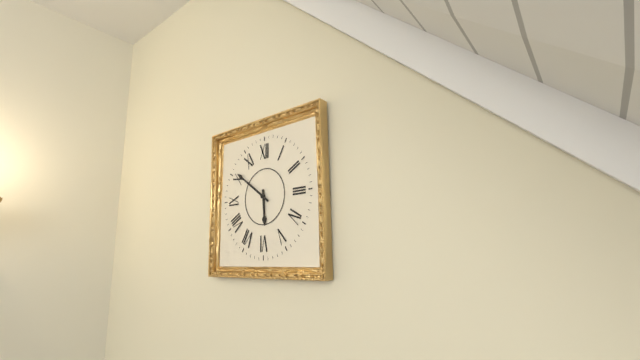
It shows 5.51
